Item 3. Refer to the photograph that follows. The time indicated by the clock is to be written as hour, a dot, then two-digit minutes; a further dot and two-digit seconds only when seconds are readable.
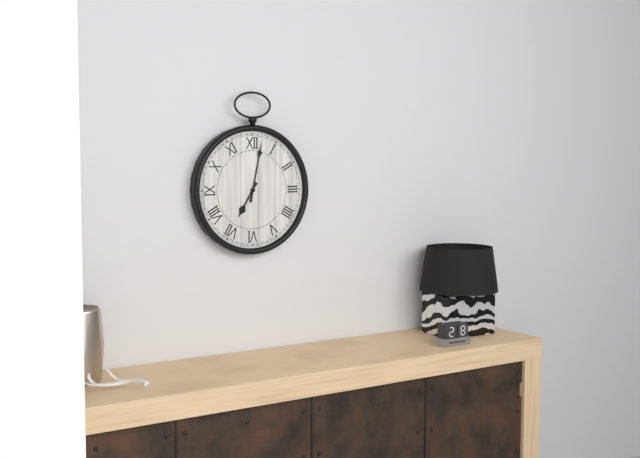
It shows 7.02
